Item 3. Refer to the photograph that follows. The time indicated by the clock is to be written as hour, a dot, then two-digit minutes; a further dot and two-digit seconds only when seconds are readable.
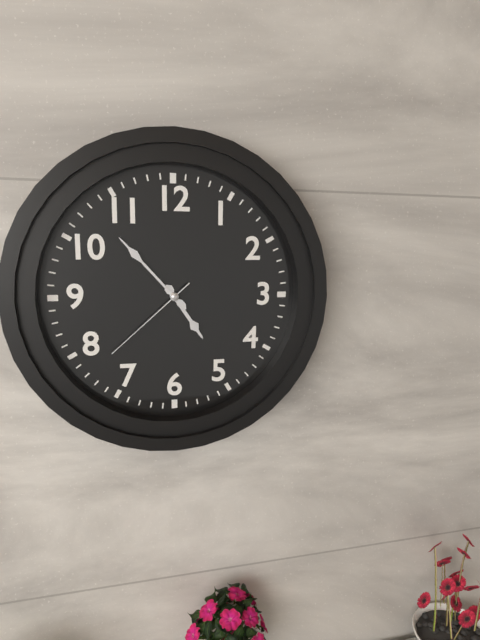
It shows 4.53.38
